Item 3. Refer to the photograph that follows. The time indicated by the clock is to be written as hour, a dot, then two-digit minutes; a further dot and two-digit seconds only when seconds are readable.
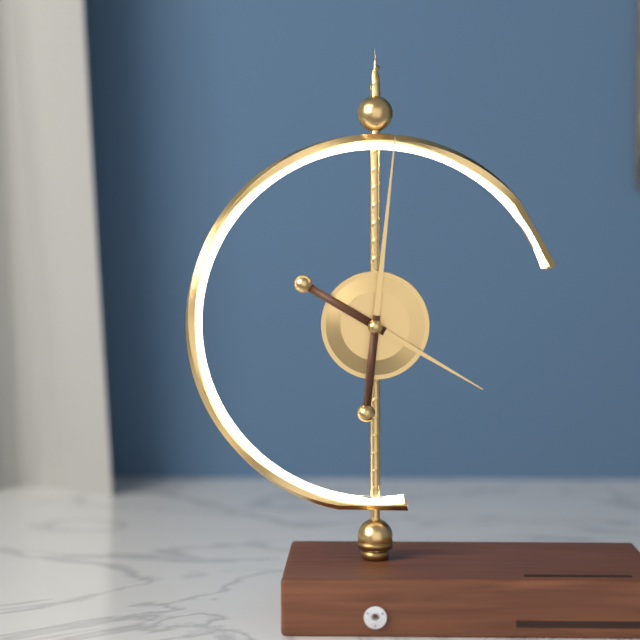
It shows 4.01
